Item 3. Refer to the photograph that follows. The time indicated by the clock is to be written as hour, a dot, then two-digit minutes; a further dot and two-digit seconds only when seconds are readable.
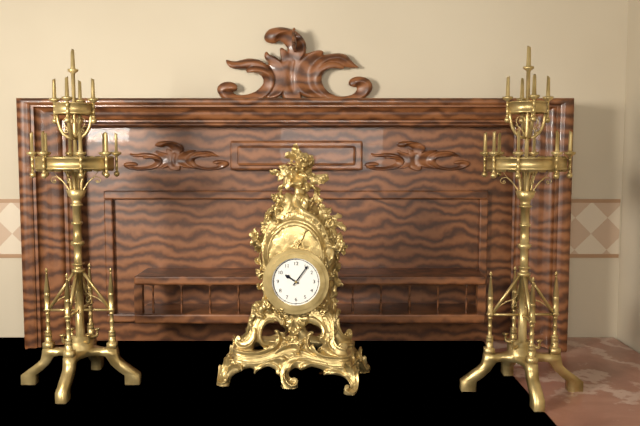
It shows 10.06
